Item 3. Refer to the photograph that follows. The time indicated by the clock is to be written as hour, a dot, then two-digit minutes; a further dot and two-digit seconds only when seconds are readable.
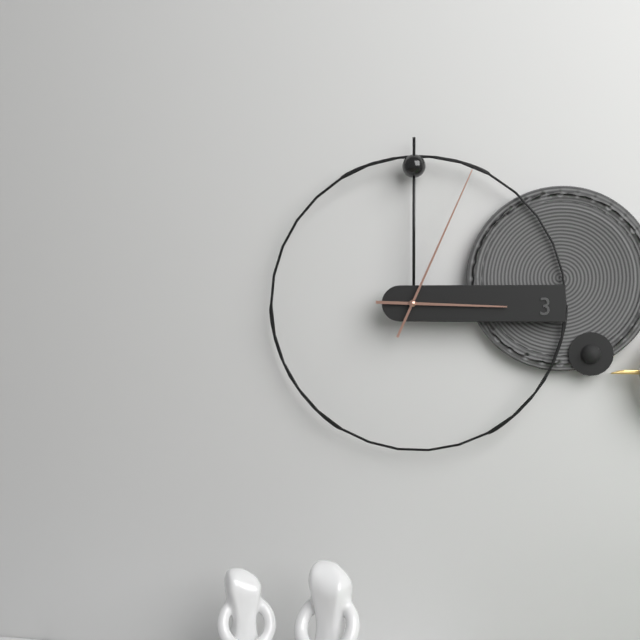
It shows 3.04
